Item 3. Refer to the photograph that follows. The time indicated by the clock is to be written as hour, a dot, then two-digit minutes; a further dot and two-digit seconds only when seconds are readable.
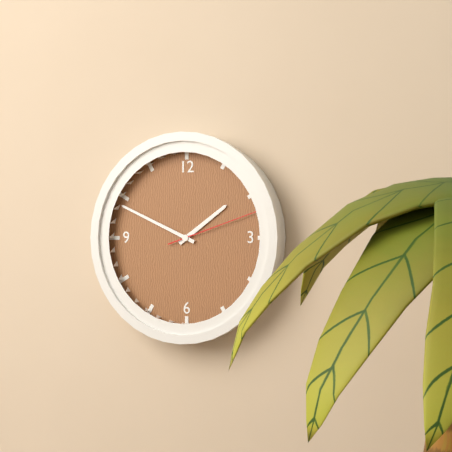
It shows 1.49.12
